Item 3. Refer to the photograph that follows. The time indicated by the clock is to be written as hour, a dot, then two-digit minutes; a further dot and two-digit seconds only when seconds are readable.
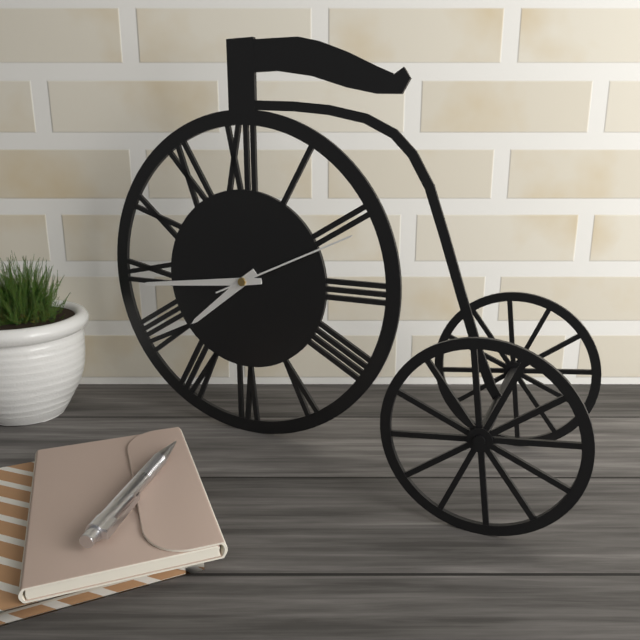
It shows 7.44.11
